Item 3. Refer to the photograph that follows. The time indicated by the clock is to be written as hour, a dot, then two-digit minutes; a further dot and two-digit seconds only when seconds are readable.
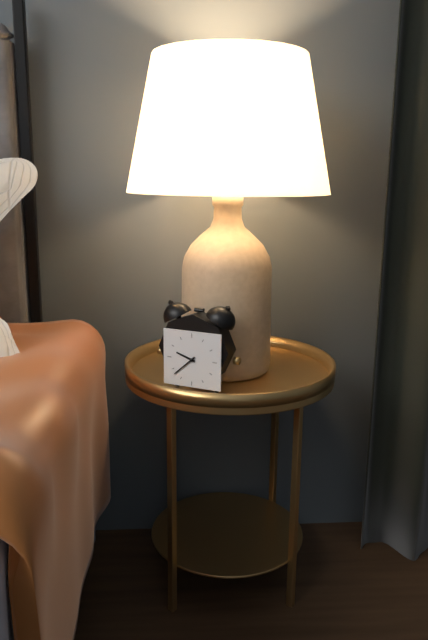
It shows 9.38
